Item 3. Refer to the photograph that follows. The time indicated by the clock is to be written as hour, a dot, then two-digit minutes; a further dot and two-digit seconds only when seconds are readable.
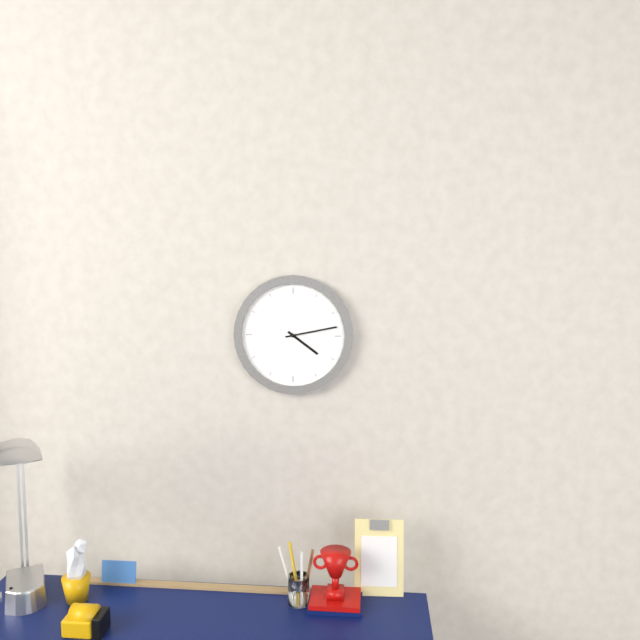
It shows 4.13
